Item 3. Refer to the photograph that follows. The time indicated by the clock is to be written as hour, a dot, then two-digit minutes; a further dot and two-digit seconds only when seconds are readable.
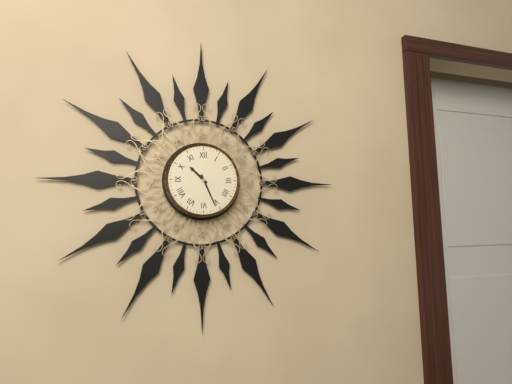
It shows 10.26
